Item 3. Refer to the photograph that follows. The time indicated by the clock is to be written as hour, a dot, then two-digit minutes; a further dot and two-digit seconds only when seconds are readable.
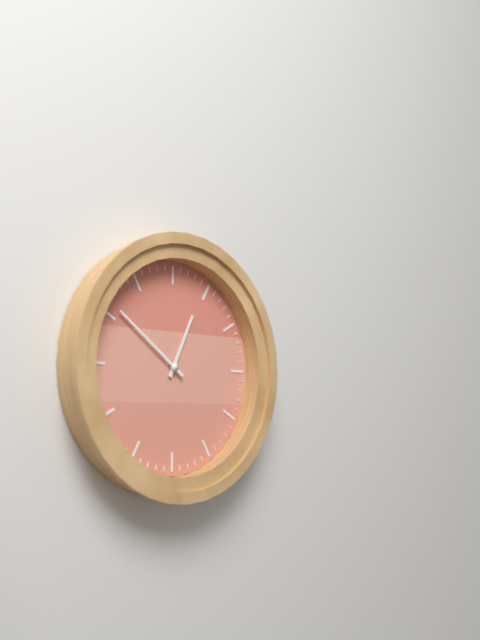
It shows 12.51
